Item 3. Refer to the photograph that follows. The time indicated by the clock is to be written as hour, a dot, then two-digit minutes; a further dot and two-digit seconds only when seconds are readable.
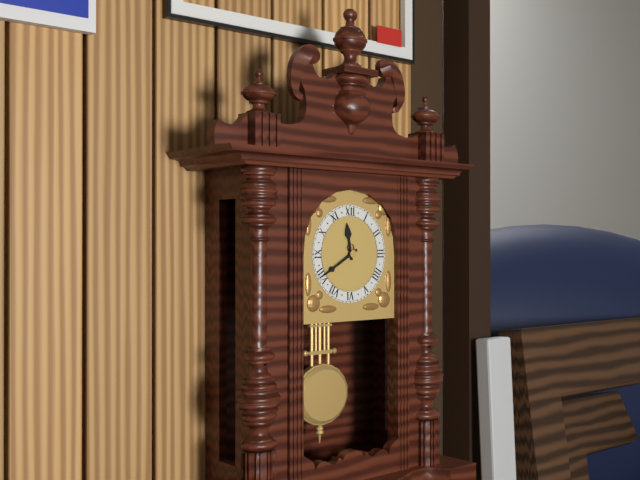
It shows 11.40
